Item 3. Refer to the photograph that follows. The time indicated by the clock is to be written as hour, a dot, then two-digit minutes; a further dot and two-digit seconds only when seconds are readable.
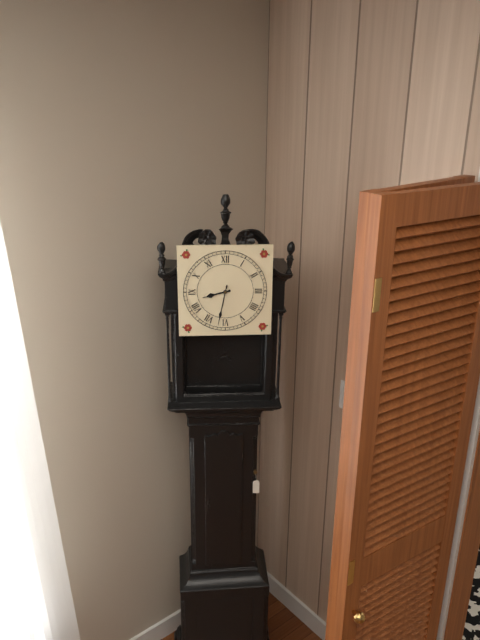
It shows 8.32
